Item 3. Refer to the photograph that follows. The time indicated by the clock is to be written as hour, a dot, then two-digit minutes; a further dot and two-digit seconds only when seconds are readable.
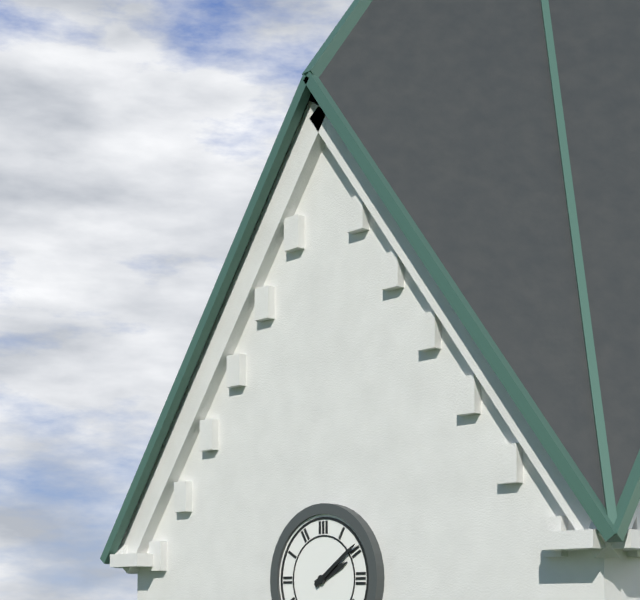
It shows 2.09
